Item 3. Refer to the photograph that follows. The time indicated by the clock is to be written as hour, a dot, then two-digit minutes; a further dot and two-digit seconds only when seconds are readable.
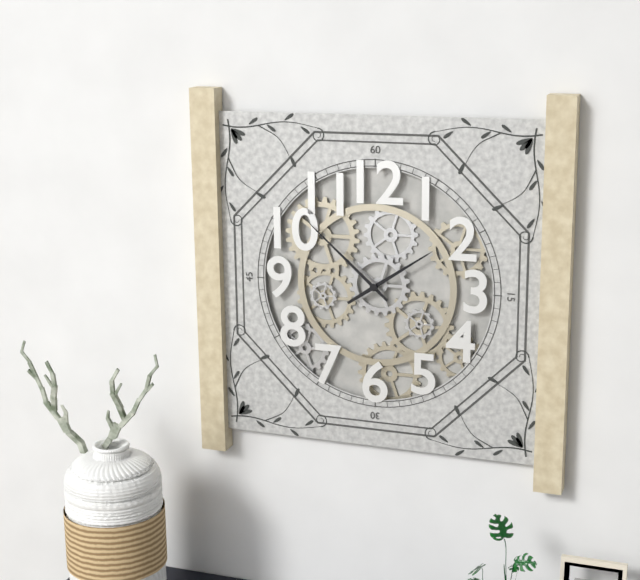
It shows 1.52
